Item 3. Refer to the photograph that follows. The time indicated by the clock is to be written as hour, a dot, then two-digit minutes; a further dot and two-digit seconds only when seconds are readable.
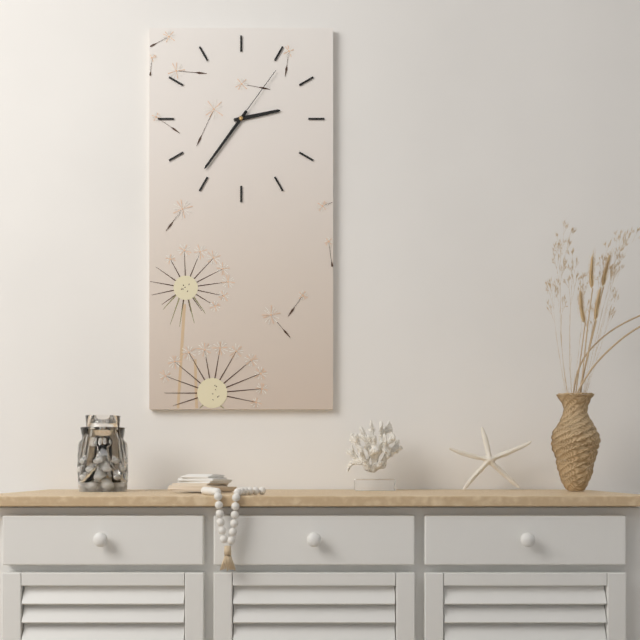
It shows 2.36.06
